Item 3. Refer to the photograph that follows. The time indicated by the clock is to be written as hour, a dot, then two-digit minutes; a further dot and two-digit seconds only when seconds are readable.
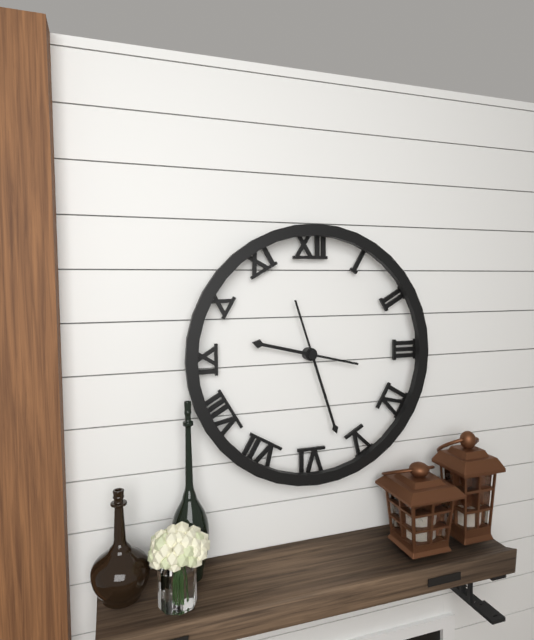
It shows 9.27
